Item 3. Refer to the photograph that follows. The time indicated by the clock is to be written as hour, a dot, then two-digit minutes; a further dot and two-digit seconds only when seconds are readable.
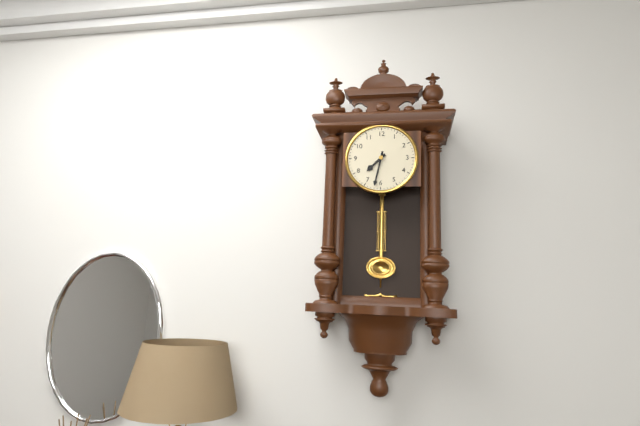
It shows 7.32
